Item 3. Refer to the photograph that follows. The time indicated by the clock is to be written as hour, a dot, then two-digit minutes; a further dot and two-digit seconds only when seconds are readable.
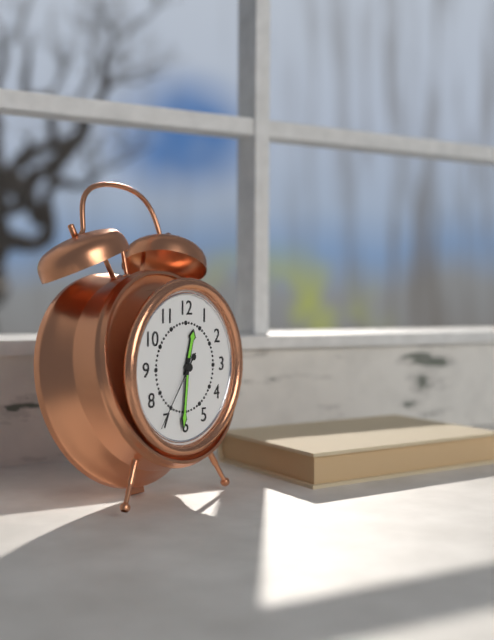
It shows 12.31.36
